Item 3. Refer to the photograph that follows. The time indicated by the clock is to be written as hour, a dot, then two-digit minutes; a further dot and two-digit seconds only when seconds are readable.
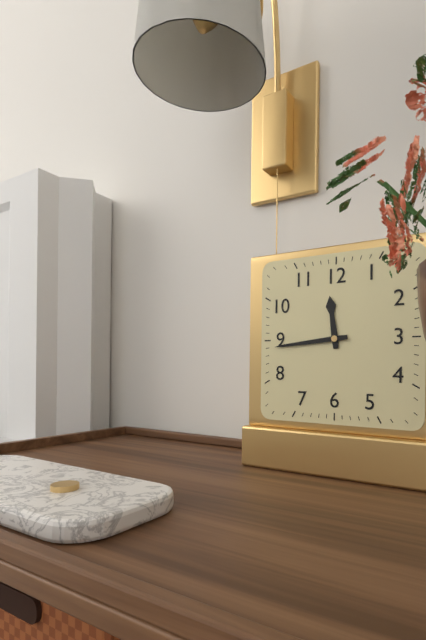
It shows 11.44
